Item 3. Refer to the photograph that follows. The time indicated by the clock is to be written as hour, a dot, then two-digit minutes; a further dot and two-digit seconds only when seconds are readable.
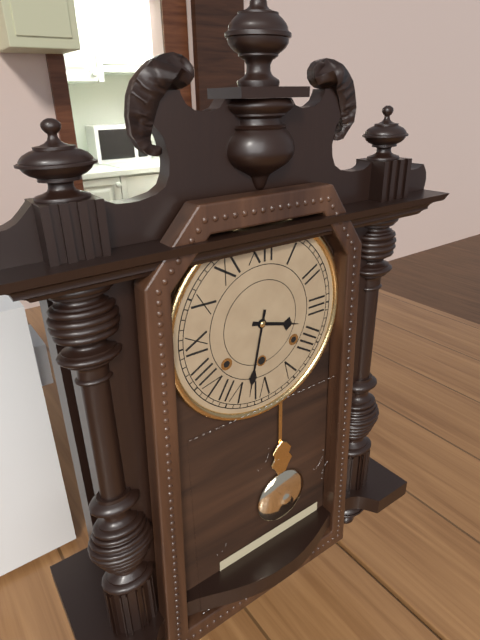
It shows 3.32
